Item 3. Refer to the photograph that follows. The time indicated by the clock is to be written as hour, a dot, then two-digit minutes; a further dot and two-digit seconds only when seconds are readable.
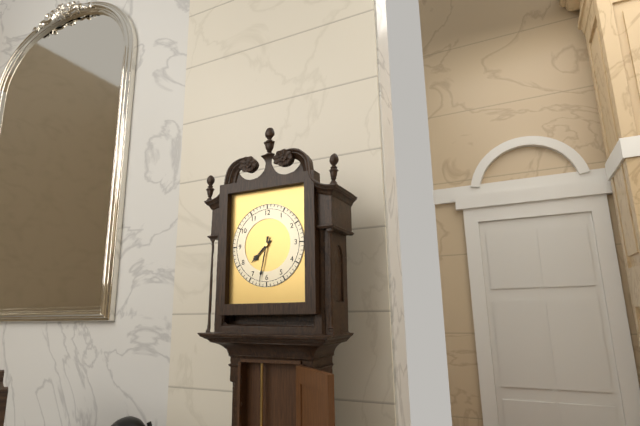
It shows 7.32
